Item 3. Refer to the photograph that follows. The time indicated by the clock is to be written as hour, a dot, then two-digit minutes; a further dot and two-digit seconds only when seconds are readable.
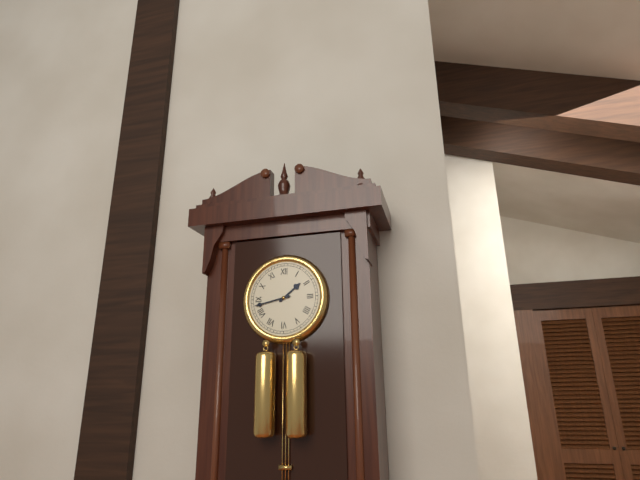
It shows 1.43
